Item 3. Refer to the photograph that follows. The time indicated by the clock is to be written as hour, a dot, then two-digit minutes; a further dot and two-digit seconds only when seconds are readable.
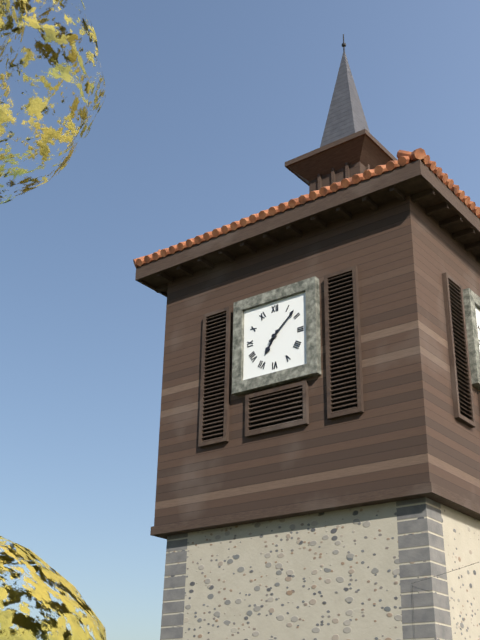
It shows 7.08
